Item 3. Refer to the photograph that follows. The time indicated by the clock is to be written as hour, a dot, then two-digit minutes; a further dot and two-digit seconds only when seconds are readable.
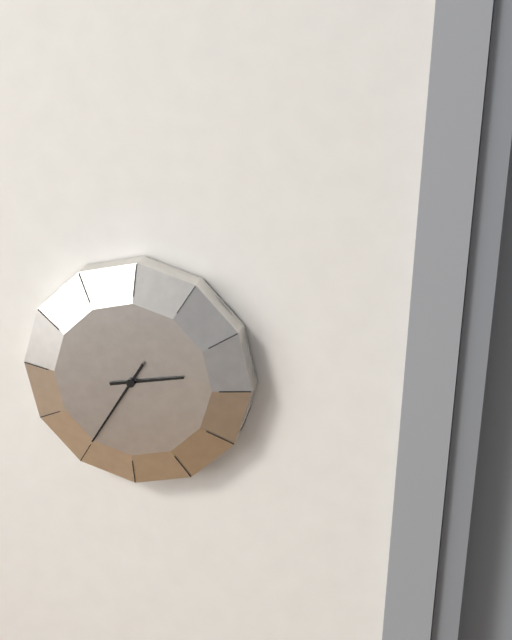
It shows 2.35
